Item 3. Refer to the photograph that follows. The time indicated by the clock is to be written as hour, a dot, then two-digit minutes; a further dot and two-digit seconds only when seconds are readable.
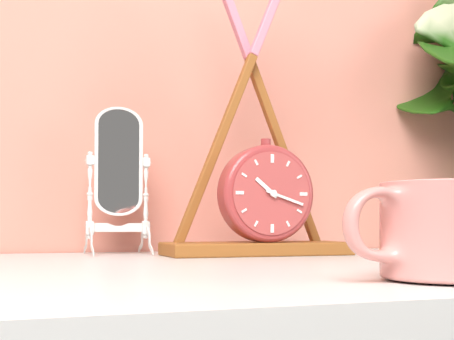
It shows 10.18
